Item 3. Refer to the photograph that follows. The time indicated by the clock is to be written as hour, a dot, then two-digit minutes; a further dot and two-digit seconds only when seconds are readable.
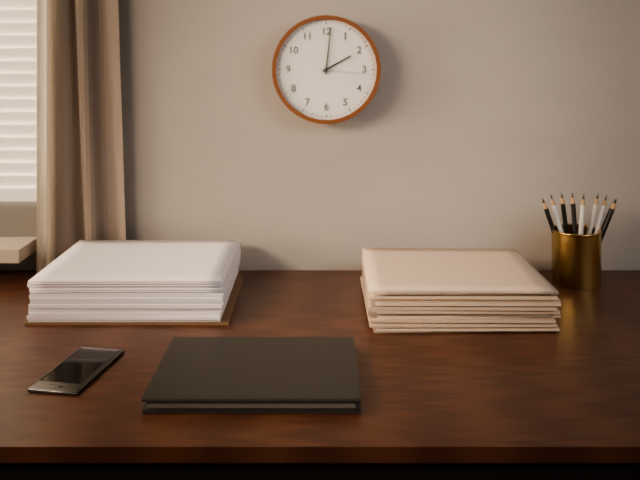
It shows 2.01.16
